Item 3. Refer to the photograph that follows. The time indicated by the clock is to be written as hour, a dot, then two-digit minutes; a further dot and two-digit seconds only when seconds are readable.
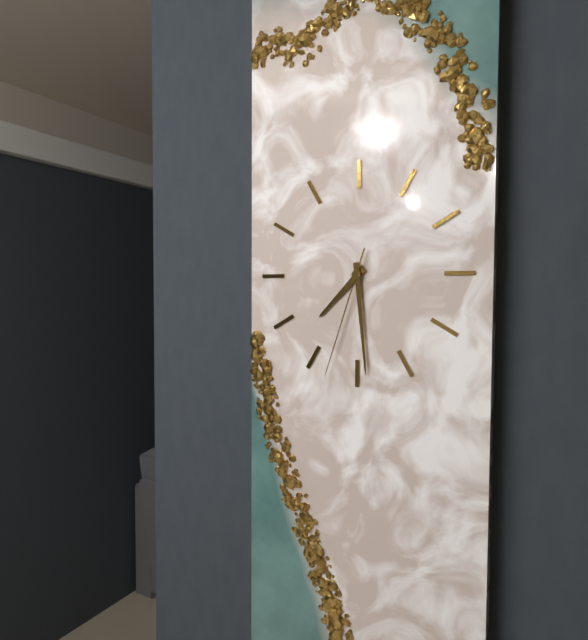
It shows 7.29.33
